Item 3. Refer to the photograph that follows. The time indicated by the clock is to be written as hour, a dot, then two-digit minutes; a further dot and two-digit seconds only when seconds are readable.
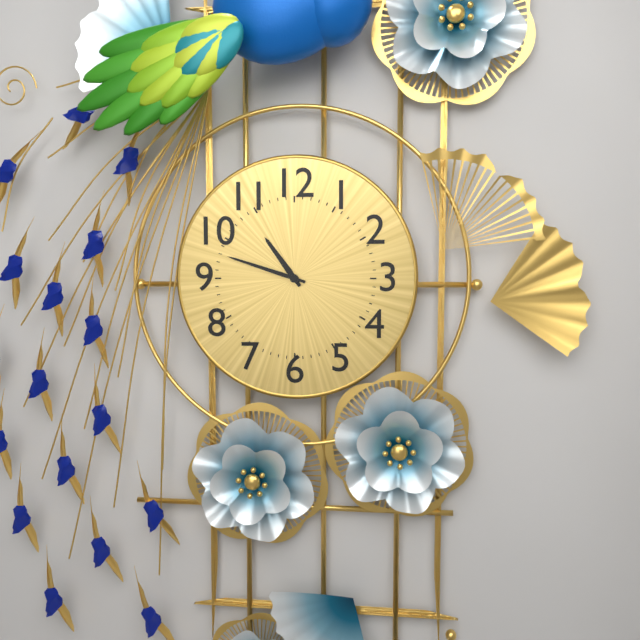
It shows 10.48
